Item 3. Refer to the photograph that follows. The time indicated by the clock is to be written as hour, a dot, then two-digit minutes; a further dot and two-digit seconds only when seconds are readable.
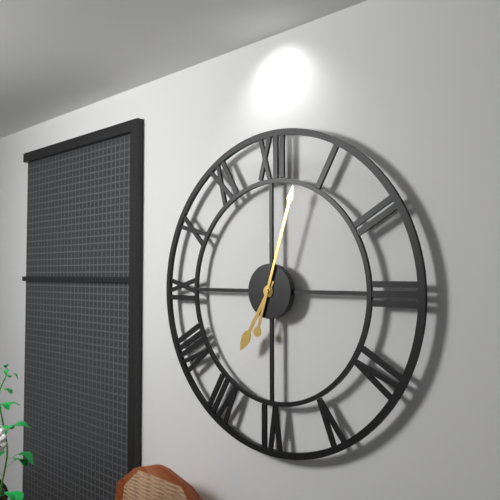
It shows 7.03
